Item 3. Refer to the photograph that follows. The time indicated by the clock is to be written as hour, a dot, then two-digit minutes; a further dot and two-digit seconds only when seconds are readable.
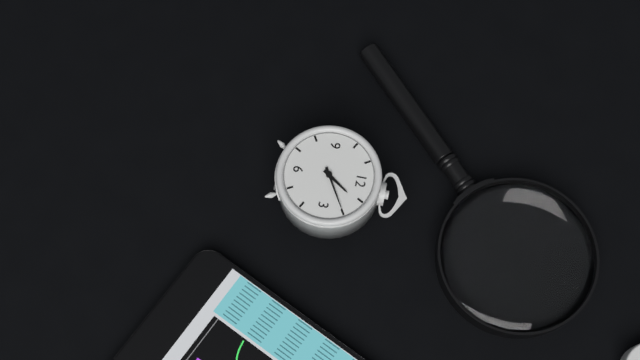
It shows 1.10
